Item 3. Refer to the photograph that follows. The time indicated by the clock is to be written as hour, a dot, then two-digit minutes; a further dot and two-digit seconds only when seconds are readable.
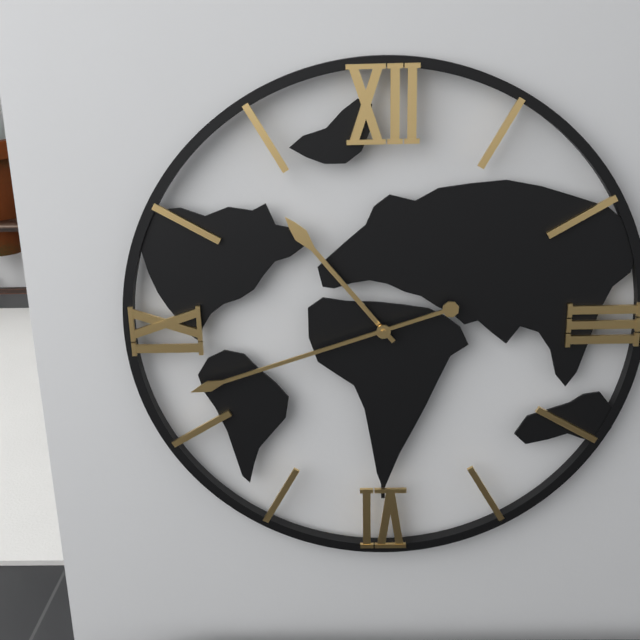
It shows 10.42
